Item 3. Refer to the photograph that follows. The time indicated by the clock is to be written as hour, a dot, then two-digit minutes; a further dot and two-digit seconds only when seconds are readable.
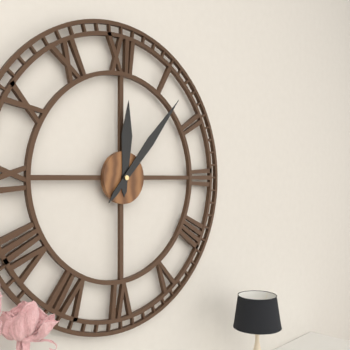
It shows 12.07
